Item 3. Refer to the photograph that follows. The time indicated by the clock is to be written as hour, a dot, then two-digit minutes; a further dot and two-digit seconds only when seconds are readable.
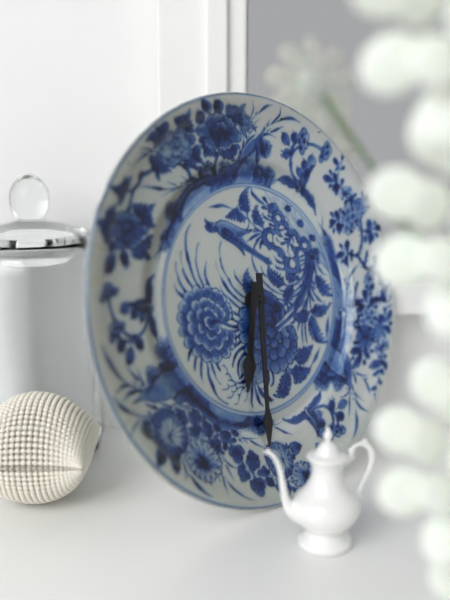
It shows 6.31
